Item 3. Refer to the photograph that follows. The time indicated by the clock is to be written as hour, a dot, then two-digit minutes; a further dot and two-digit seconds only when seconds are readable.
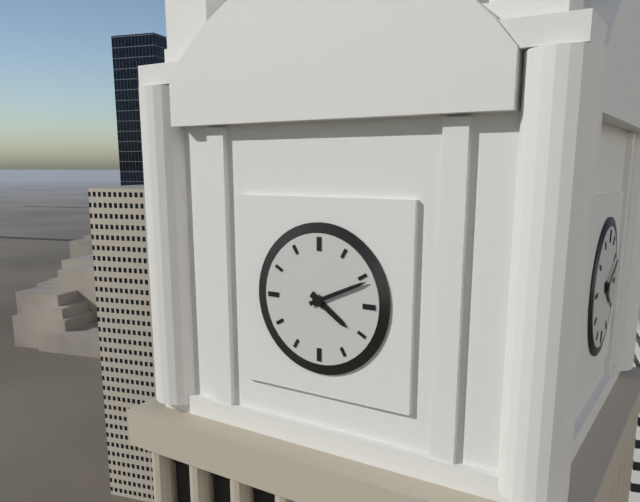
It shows 4.11
